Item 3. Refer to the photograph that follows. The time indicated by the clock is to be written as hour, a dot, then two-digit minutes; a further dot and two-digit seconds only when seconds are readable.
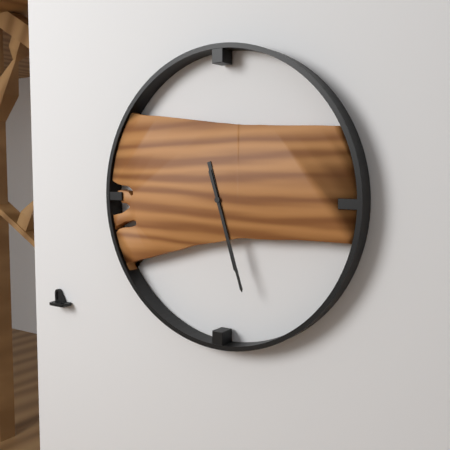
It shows 5.27
